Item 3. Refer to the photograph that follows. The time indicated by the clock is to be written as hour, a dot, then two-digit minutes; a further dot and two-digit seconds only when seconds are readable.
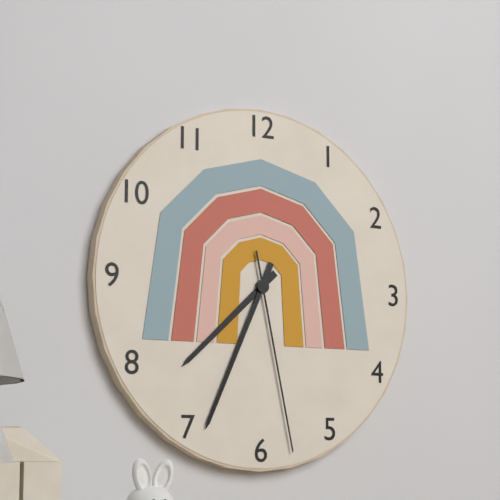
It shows 7.34.28
